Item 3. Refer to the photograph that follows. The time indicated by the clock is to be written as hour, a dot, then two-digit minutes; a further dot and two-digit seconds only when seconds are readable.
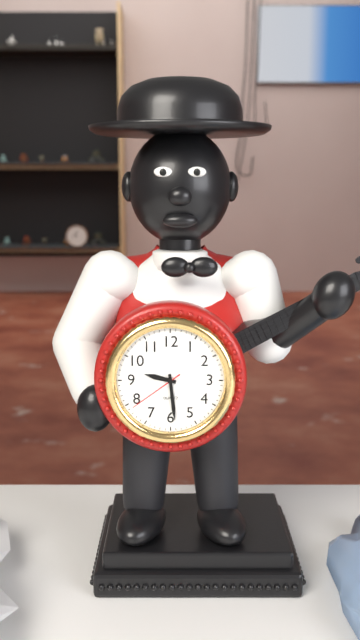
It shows 9.29.39
